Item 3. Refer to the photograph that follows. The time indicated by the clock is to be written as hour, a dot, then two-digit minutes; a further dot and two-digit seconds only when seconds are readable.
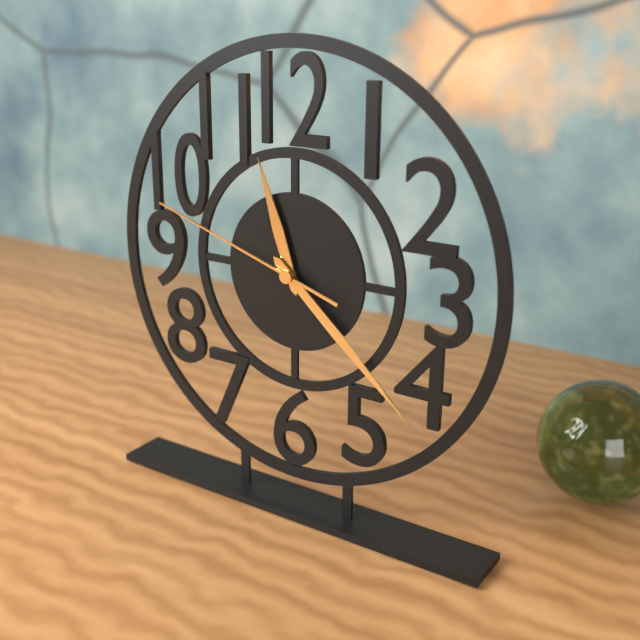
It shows 11.22.48
